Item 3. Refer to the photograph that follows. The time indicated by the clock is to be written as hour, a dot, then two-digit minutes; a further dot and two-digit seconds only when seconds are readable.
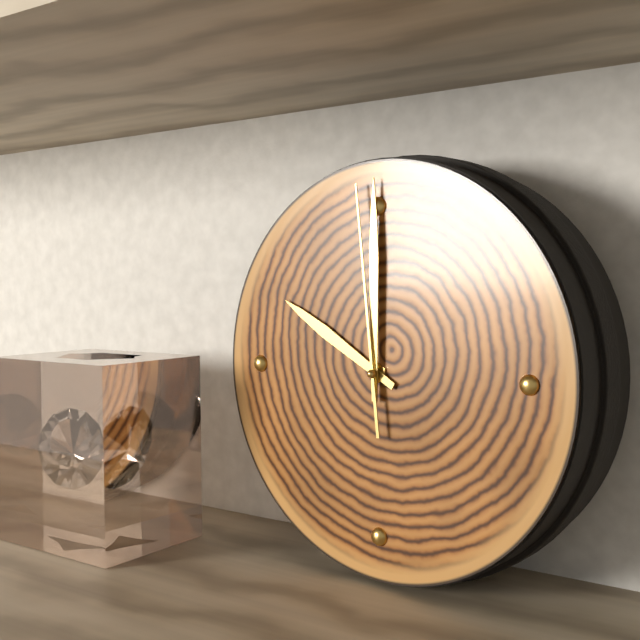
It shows 10.00.59
